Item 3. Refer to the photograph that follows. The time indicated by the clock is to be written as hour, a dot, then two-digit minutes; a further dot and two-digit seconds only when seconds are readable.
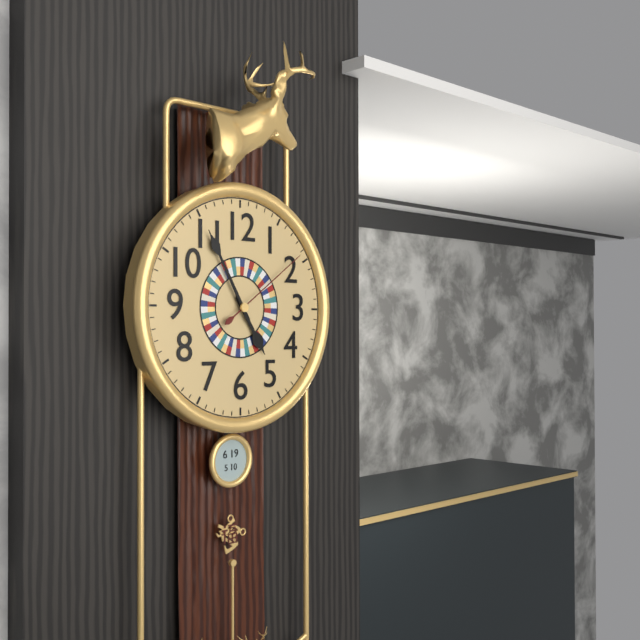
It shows 4.55.09
